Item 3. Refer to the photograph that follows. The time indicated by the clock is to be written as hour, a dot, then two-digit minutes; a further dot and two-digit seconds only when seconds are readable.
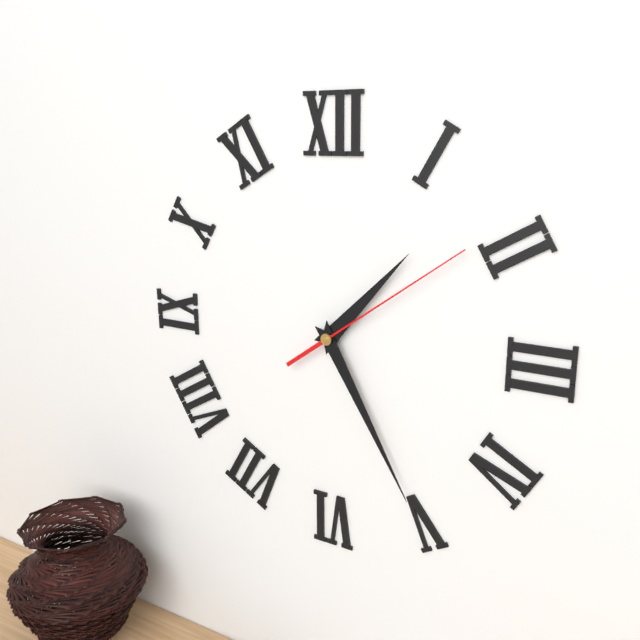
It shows 1.25.09
